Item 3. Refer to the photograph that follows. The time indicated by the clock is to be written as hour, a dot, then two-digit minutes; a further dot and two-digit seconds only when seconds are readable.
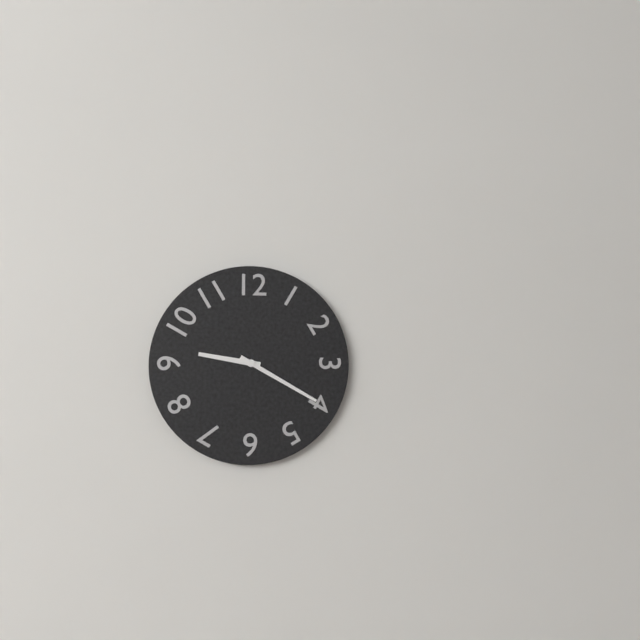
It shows 9.20
